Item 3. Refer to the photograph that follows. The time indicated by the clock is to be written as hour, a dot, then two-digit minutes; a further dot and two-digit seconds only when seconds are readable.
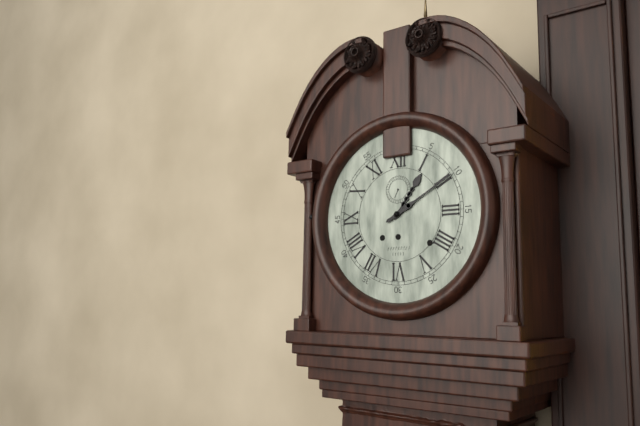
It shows 1.10
